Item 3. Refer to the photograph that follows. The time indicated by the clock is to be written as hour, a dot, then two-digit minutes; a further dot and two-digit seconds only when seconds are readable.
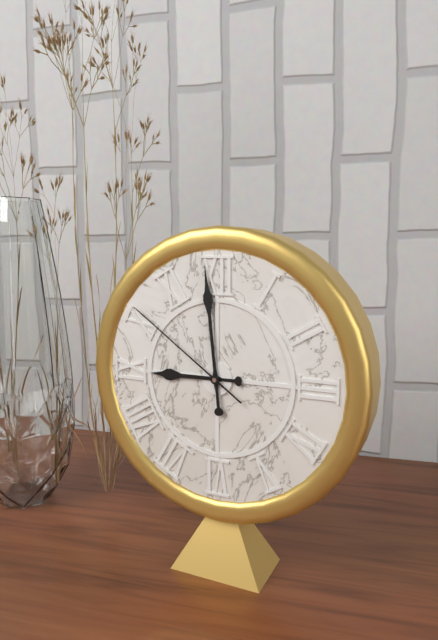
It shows 8.59.51
